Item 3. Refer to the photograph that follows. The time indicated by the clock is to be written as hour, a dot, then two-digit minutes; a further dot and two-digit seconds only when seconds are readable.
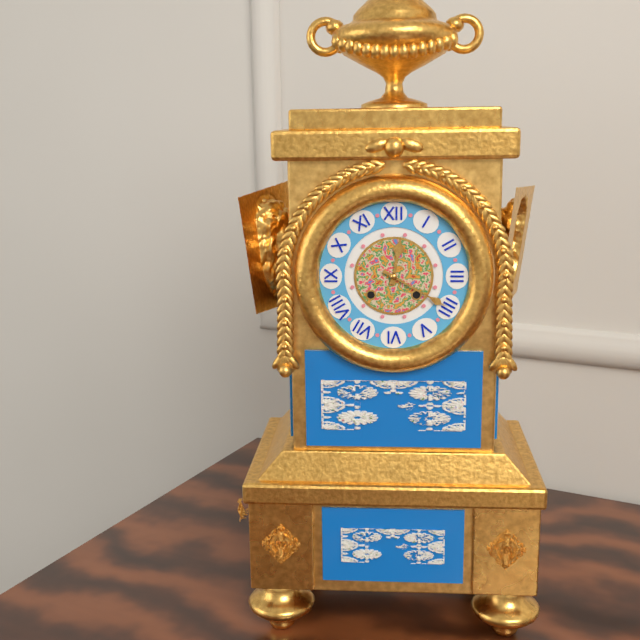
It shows 12.20
